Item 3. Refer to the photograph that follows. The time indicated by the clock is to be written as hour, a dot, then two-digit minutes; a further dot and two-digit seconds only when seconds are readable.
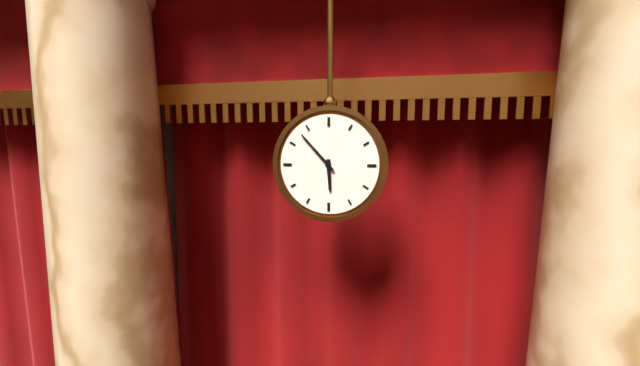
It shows 5.53
